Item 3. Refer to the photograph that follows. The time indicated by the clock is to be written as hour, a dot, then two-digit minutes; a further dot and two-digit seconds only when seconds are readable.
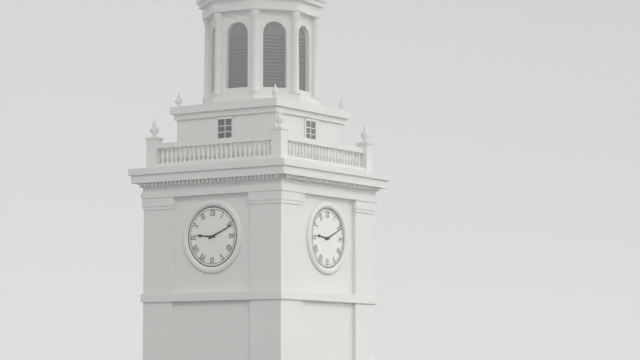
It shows 9.11
